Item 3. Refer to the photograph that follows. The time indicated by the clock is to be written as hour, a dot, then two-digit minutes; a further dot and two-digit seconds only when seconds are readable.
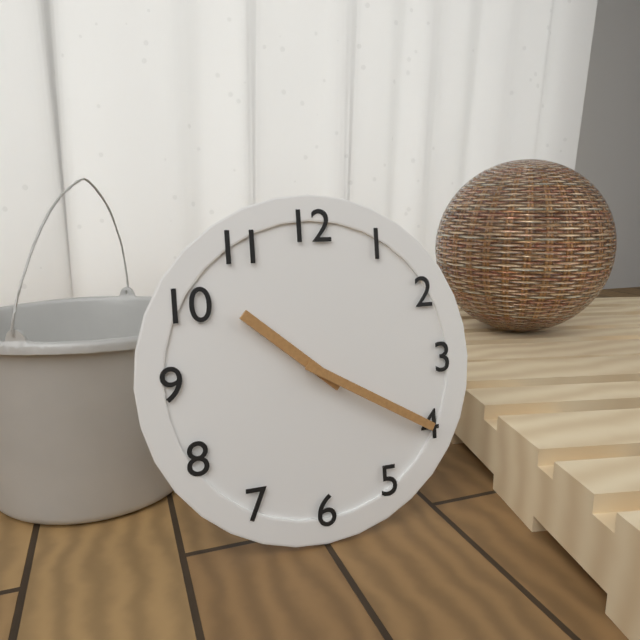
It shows 10.20
